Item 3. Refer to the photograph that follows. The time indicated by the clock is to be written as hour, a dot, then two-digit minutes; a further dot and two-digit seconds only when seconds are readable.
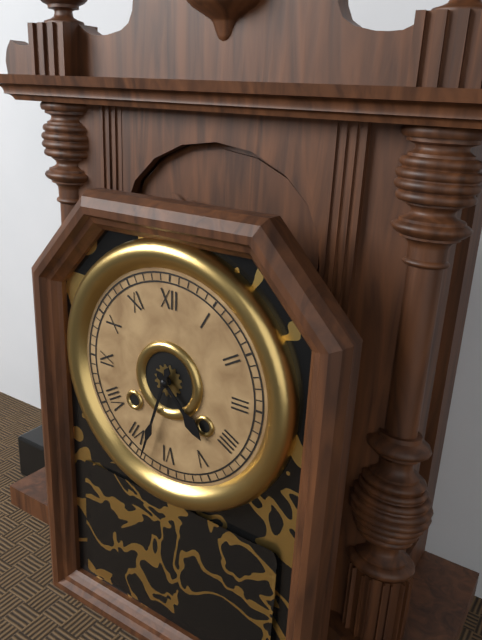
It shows 4.33
